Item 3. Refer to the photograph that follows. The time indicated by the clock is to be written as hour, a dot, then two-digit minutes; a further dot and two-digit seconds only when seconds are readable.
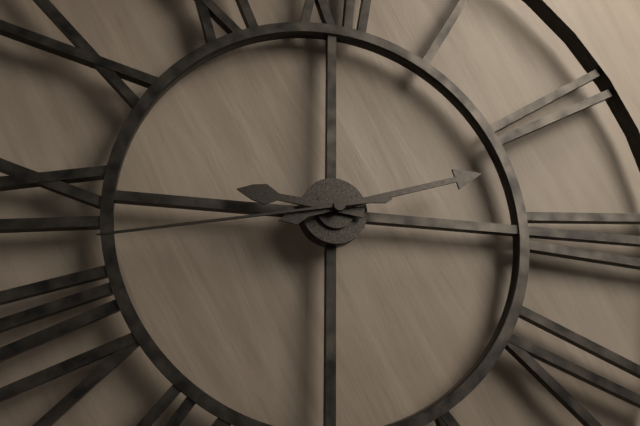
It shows 9.12.43
